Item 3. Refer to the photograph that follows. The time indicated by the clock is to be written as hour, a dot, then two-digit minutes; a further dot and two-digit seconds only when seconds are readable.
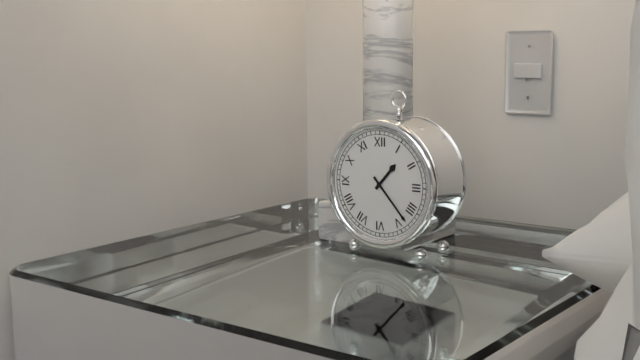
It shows 1.23
